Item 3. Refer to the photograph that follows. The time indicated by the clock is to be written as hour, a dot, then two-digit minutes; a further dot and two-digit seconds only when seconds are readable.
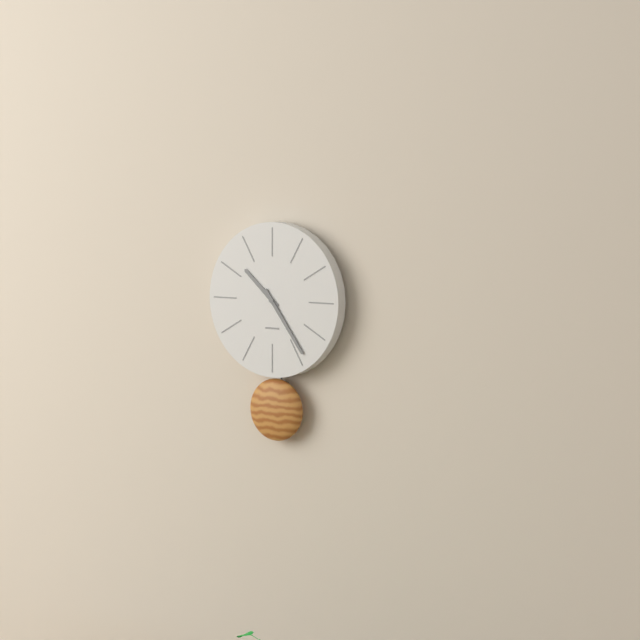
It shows 10.24
